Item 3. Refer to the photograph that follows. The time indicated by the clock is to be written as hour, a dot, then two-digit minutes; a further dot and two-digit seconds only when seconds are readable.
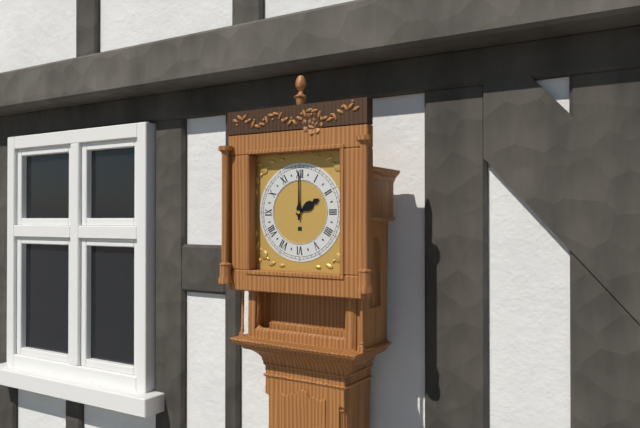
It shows 2.00
